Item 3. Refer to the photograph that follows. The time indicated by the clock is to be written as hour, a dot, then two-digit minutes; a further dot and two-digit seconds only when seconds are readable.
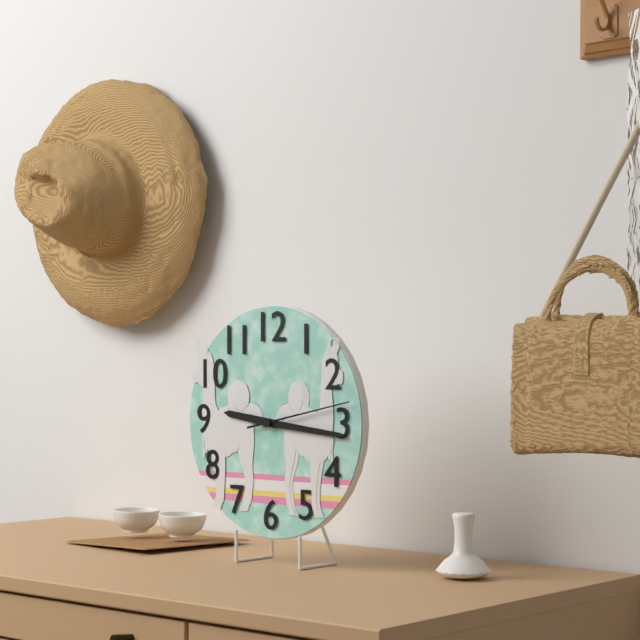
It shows 9.16.13
